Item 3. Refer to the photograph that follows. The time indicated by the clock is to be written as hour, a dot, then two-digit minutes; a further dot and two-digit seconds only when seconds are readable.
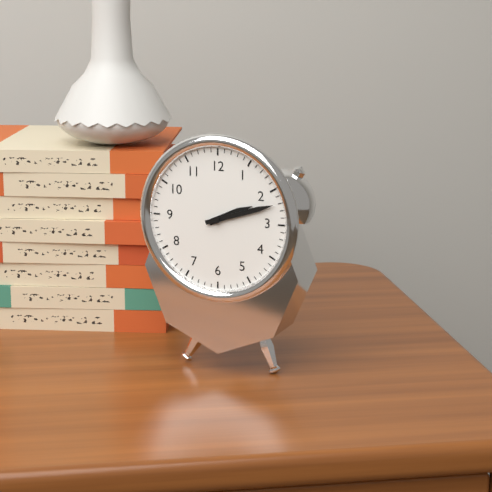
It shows 2.12
